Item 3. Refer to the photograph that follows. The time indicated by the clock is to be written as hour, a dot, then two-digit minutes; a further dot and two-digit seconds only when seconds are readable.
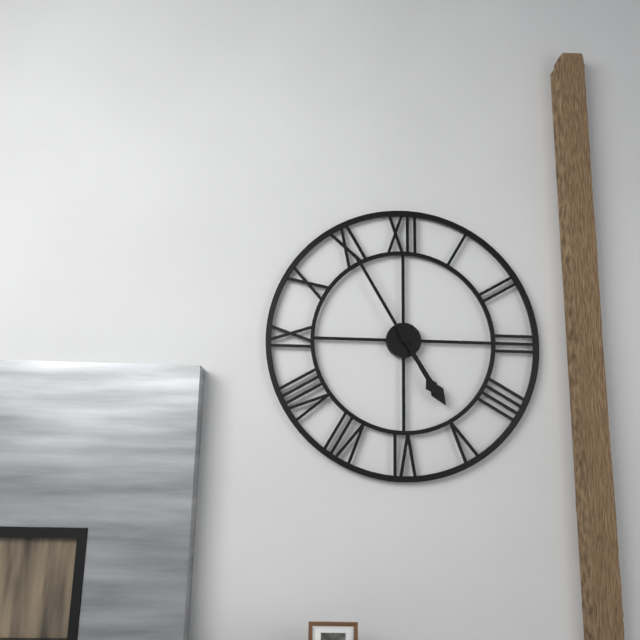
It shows 4.55
